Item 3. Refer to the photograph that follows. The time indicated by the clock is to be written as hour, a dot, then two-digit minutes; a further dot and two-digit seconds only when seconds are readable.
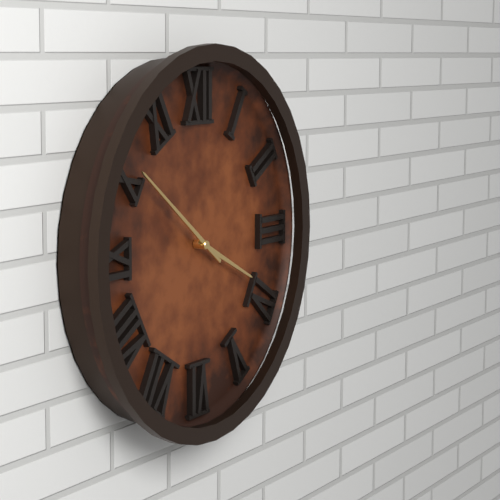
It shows 3.51
